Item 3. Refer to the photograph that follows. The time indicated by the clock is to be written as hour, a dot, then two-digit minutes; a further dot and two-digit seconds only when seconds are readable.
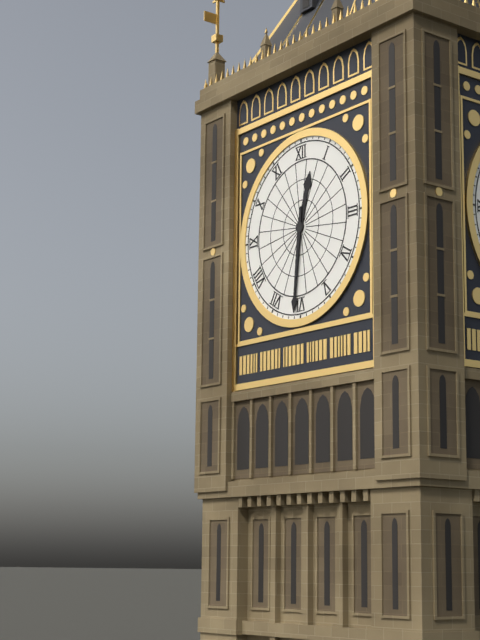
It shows 12.31
